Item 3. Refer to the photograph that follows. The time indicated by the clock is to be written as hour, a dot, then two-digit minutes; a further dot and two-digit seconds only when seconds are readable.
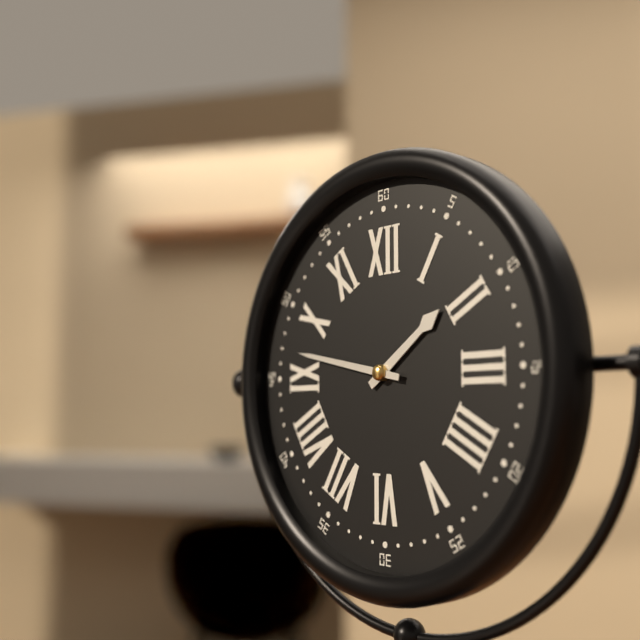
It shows 1.47
